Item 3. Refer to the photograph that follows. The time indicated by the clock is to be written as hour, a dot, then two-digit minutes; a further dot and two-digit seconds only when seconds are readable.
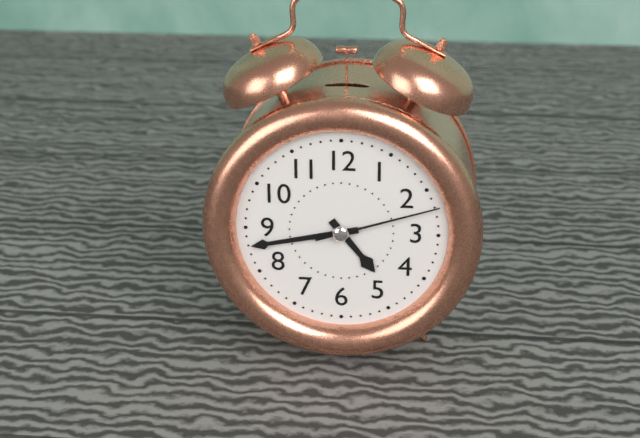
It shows 4.43.12
